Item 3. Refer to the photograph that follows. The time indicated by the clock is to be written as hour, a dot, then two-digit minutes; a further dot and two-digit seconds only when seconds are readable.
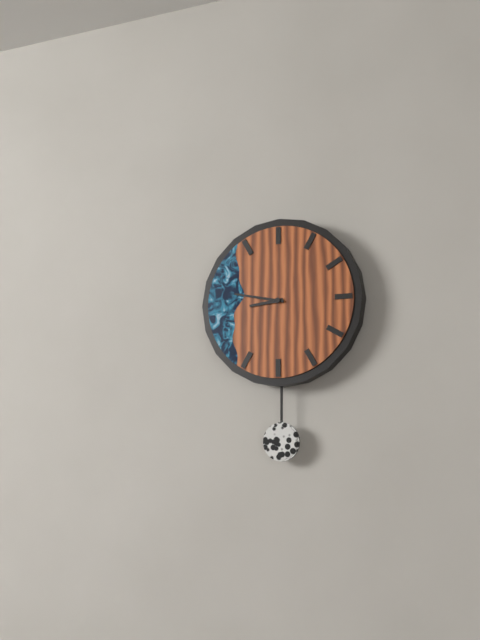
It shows 8.47
